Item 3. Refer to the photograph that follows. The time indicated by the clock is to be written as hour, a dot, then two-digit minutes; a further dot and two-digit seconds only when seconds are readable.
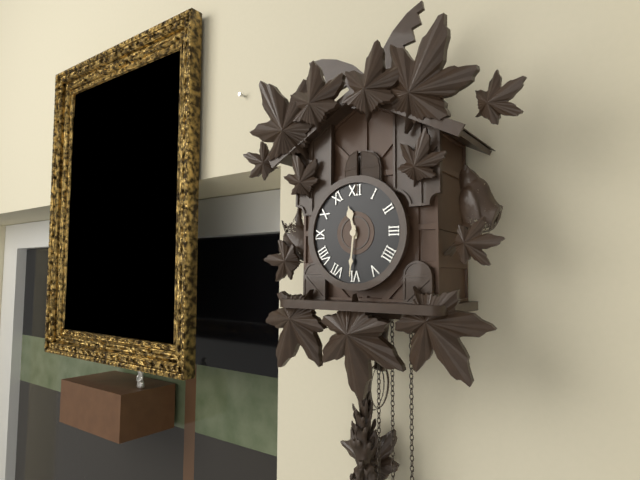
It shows 11.31
